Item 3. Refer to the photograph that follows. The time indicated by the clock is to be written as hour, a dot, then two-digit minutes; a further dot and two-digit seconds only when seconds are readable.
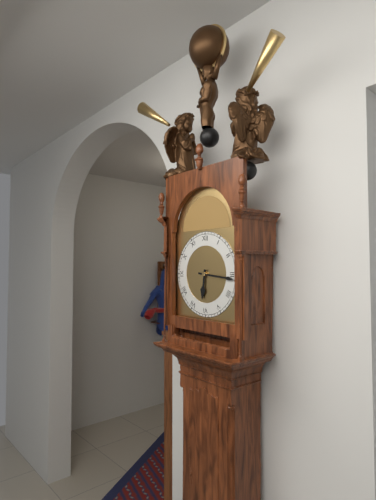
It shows 6.16
